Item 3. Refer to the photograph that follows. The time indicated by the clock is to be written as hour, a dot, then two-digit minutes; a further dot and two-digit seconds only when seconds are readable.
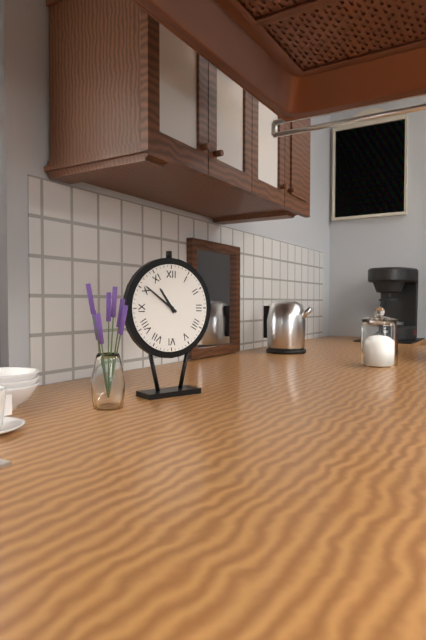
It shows 10.51
